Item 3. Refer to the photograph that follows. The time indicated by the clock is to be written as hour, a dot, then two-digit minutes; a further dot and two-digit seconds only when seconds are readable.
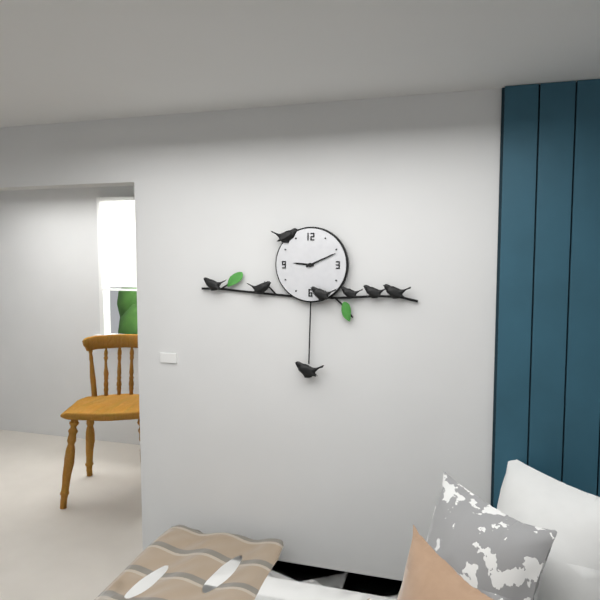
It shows 9.11
